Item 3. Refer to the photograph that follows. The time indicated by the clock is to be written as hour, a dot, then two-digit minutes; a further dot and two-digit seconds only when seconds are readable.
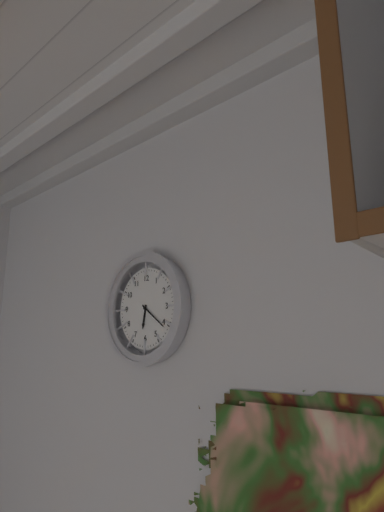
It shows 6.21
